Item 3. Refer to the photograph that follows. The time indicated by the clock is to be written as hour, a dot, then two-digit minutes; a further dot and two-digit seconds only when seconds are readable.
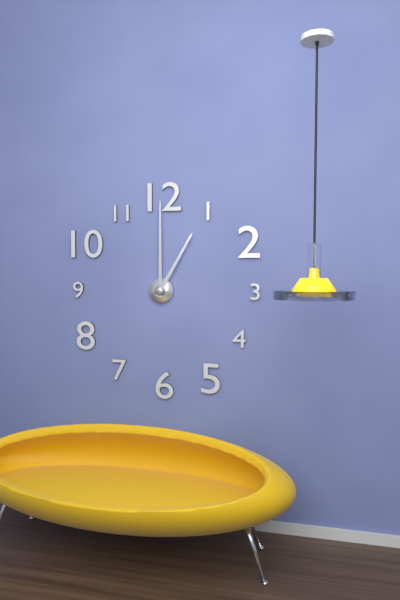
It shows 1.00
